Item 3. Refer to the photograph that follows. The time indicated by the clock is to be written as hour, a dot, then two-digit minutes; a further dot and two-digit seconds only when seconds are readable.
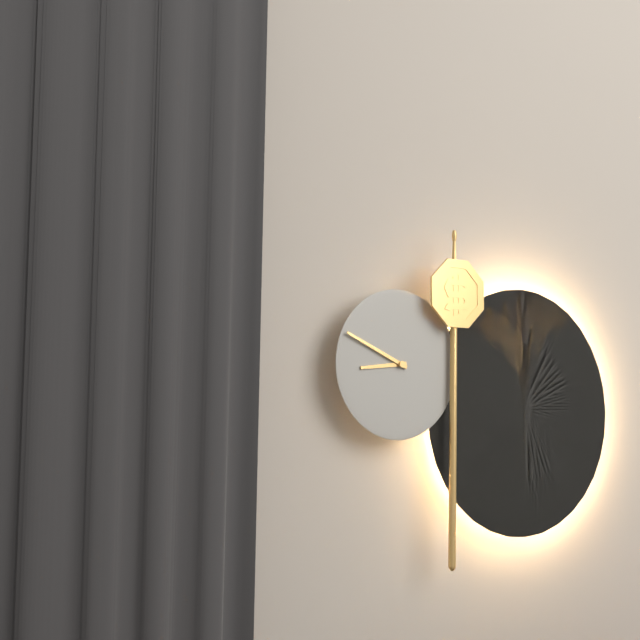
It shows 8.49
